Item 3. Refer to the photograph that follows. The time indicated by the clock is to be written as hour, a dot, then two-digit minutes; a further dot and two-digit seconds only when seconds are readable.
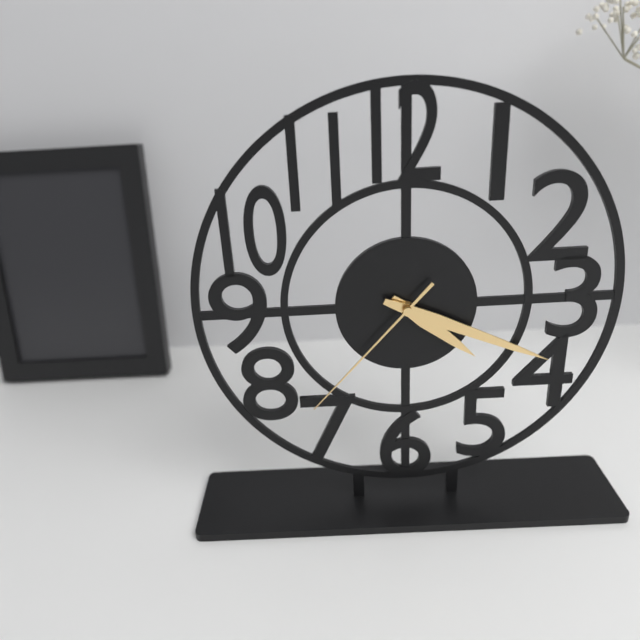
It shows 4.19.37
